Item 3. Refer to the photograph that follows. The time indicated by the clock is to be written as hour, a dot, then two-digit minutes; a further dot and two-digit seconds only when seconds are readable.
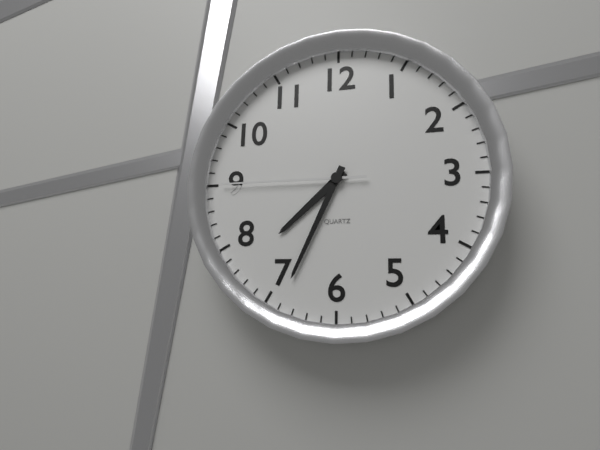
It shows 7.34.45
